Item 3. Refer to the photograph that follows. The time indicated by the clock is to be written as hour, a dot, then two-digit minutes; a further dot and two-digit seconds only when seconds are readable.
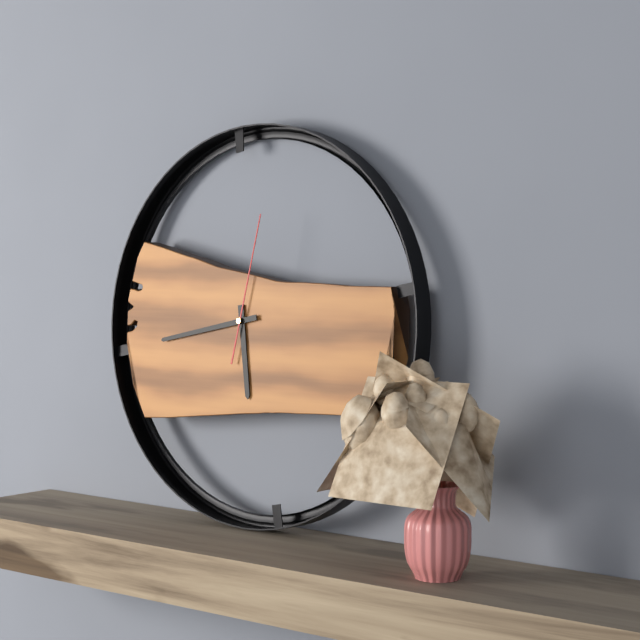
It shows 5.43.02
